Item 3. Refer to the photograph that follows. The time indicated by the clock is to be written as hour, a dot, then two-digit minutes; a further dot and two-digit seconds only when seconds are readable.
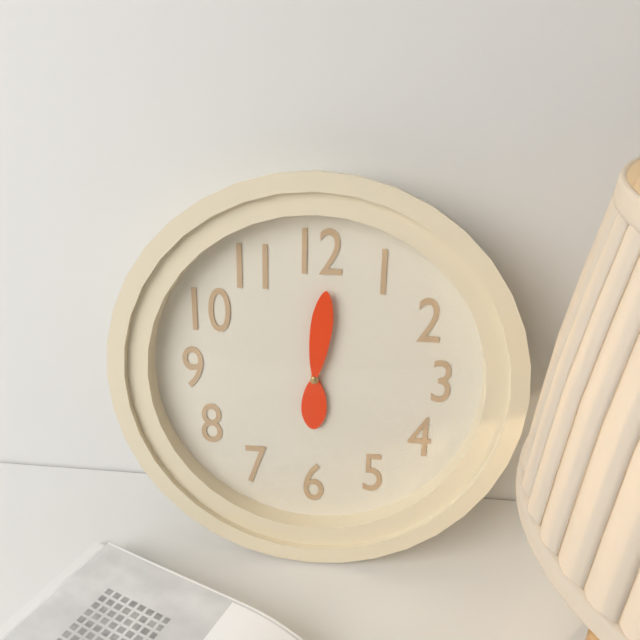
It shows 6.01
